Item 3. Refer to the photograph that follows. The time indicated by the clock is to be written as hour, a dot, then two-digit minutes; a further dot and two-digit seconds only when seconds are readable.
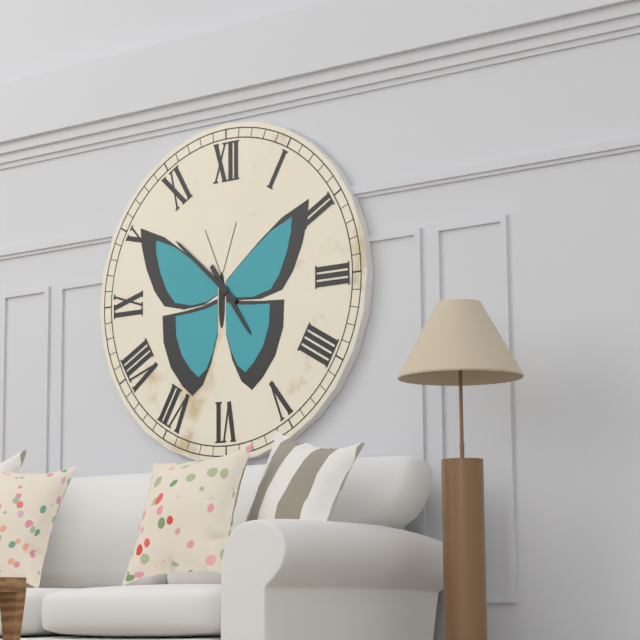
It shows 4.52
